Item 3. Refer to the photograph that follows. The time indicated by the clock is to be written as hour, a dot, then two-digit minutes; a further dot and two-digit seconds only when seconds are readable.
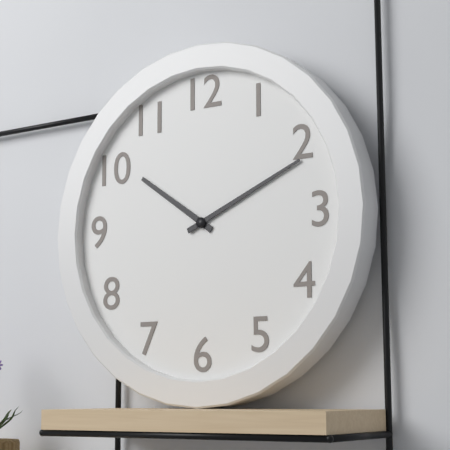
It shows 10.11
